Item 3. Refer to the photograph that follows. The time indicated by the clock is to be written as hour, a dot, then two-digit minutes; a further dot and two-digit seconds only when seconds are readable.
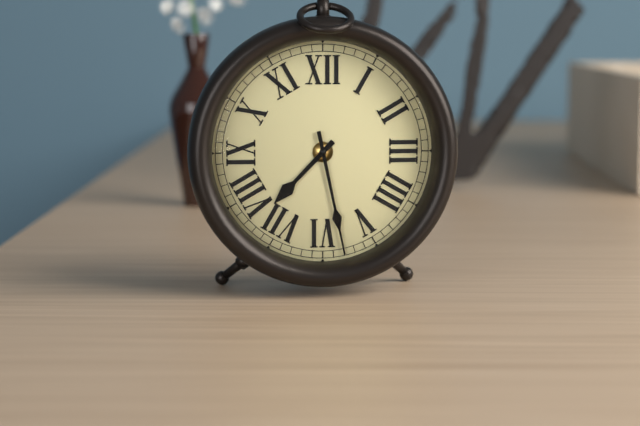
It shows 7.28
